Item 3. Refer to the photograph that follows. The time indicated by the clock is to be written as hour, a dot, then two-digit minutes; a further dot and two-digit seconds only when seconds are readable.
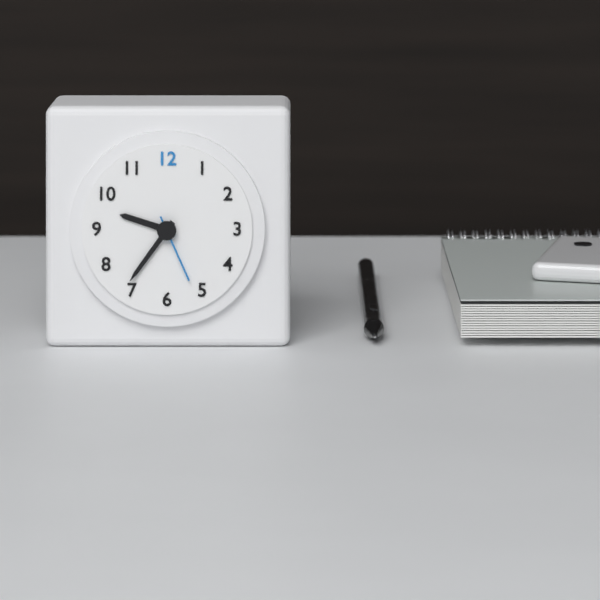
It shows 9.36.26
